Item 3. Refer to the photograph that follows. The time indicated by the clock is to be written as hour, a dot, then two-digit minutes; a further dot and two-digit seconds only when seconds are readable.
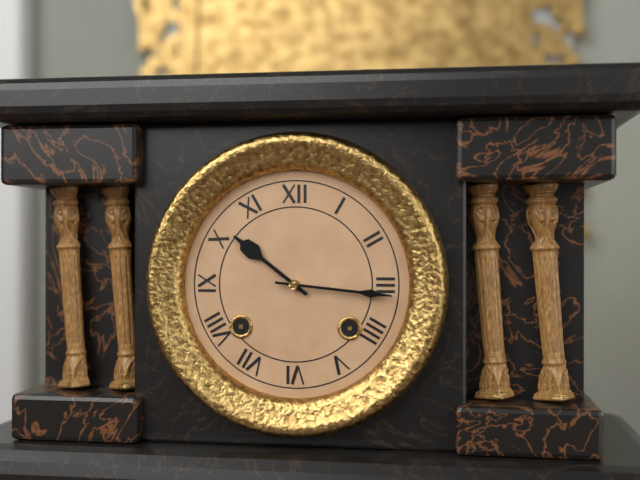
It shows 10.16
